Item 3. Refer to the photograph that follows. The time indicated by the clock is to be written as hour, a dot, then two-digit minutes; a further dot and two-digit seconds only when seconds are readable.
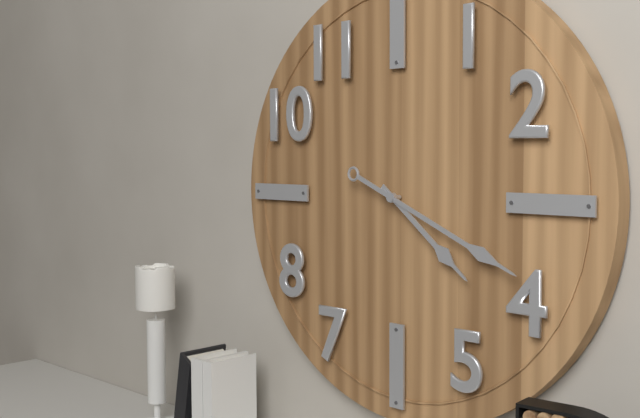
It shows 4.19
